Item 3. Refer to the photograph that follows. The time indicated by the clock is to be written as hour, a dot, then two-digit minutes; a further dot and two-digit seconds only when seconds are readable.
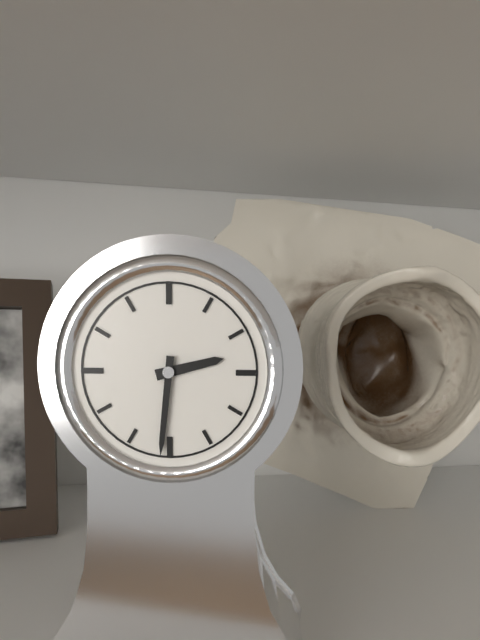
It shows 2.31
